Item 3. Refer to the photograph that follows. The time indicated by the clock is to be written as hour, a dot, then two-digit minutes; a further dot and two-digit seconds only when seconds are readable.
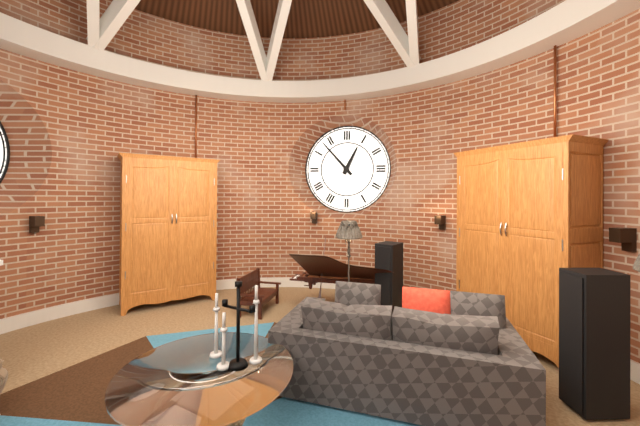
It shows 12.53
